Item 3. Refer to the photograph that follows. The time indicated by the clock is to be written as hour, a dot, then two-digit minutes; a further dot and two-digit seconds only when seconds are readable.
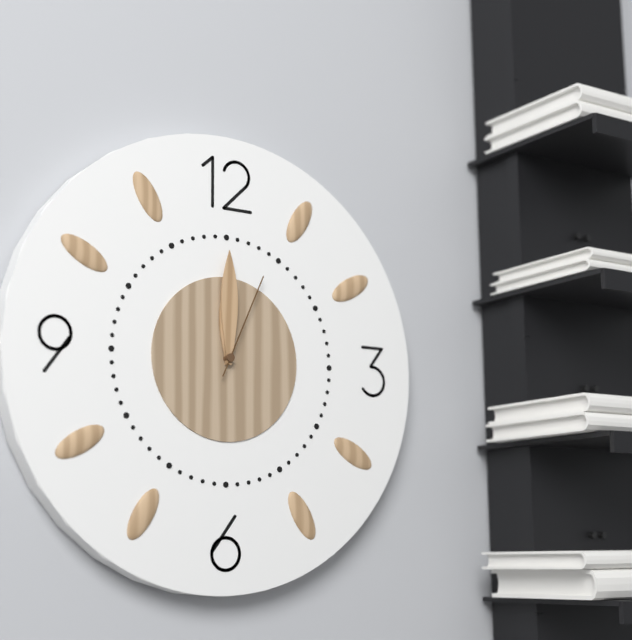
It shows 12.00.04
